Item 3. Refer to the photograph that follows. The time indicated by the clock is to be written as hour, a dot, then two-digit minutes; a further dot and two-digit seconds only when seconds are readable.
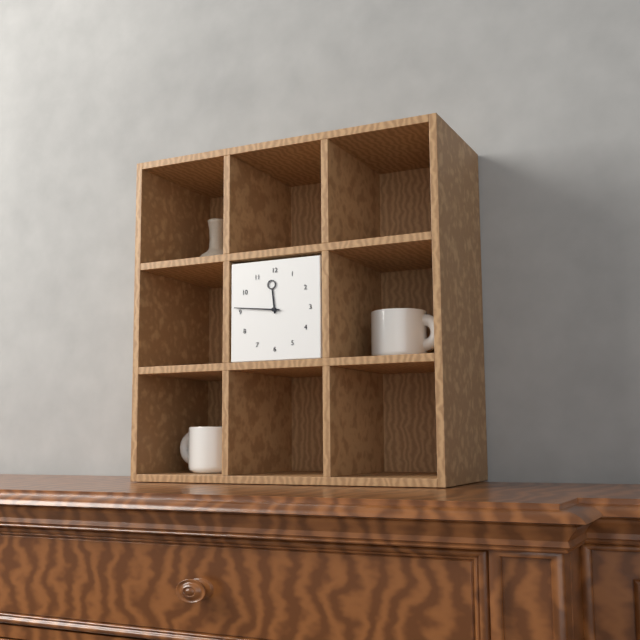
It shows 11.46
